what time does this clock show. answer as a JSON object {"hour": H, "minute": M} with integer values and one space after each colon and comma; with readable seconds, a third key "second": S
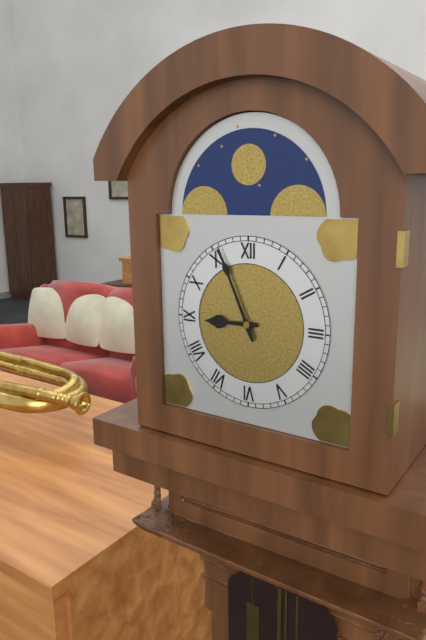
{"hour": 8, "minute": 56}
